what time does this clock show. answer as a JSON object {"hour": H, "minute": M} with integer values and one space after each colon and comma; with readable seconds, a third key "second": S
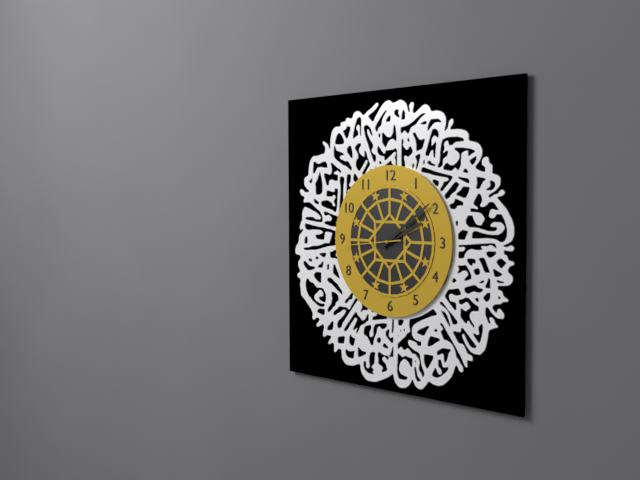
{"hour": 2, "minute": 9, "second": 44}
